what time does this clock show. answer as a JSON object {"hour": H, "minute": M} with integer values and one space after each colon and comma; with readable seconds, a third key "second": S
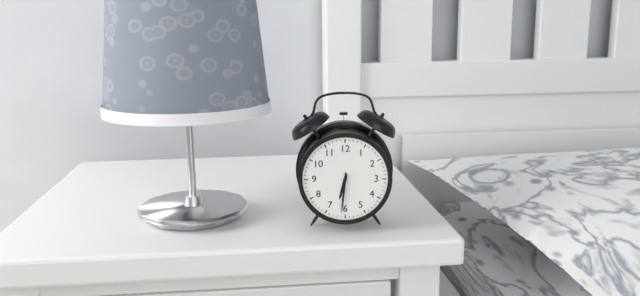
{"hour": 6, "minute": 31}
